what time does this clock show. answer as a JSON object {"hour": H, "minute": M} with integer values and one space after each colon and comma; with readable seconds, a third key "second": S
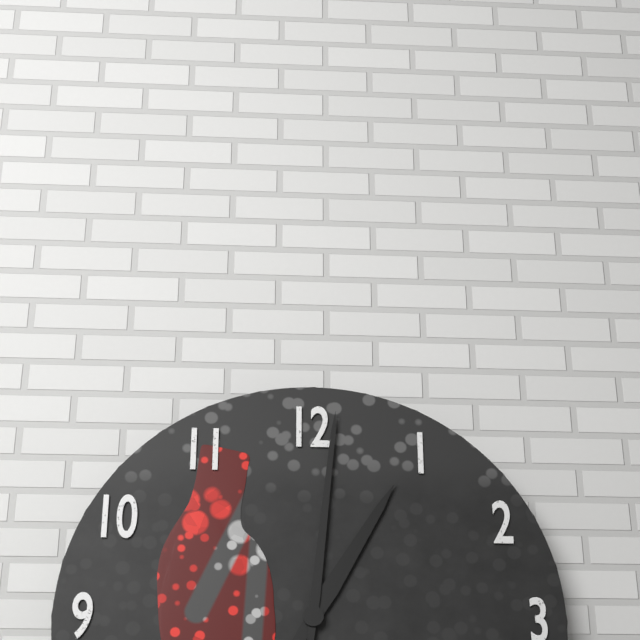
{"hour": 1, "minute": 1}
